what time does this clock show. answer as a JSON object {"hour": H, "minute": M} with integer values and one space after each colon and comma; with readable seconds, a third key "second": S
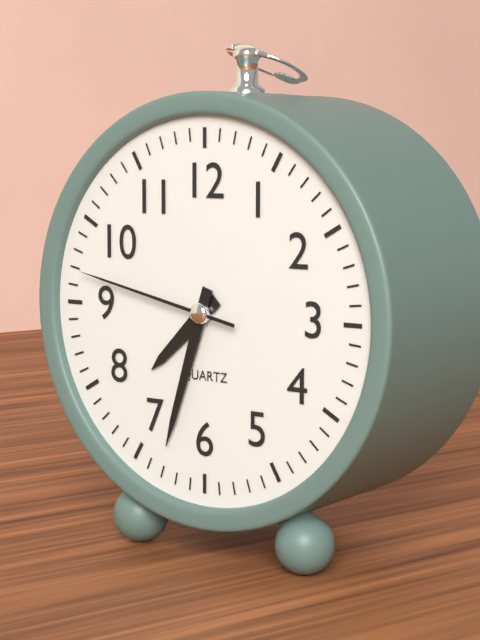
{"hour": 7, "minute": 33, "second": 47}
